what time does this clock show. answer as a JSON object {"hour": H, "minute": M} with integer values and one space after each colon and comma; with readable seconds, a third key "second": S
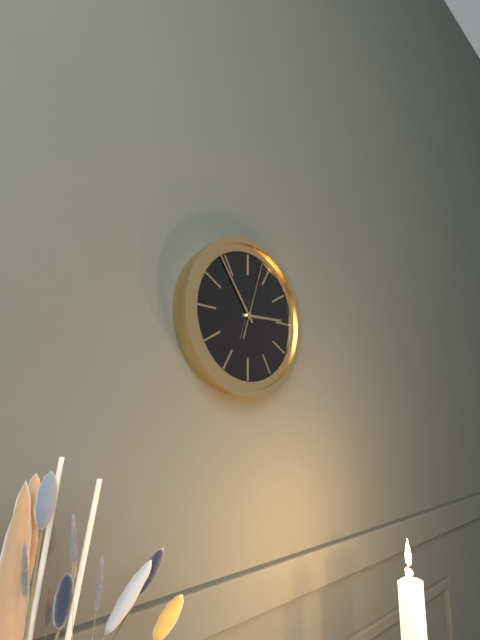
{"hour": 2, "minute": 54, "second": 3}
